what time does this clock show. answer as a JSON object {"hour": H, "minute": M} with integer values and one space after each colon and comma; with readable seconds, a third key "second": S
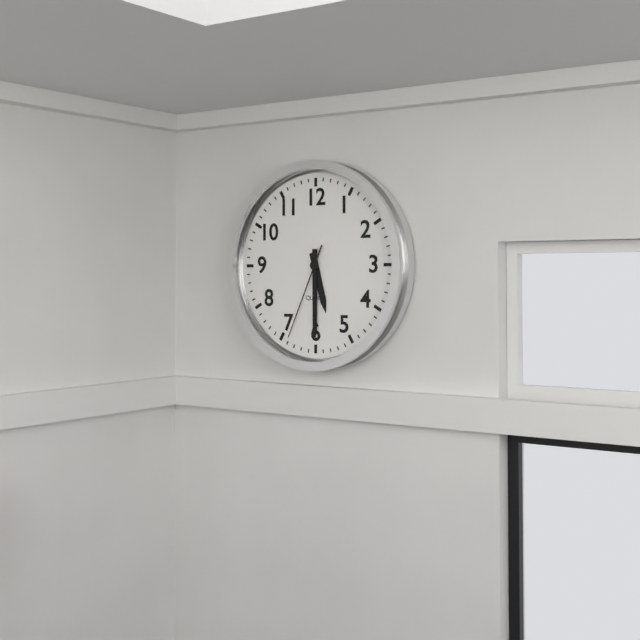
{"hour": 5, "minute": 30, "second": 34}
